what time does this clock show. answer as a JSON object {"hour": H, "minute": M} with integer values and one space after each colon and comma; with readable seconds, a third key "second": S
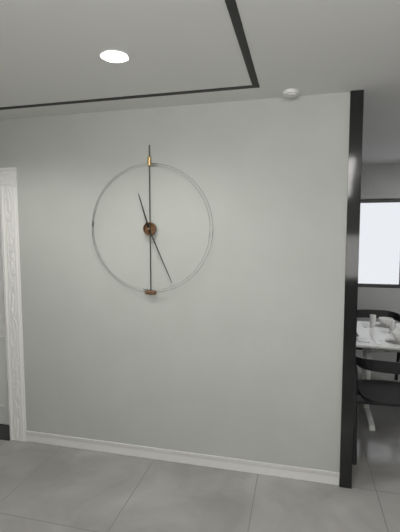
{"hour": 11, "minute": 26}
